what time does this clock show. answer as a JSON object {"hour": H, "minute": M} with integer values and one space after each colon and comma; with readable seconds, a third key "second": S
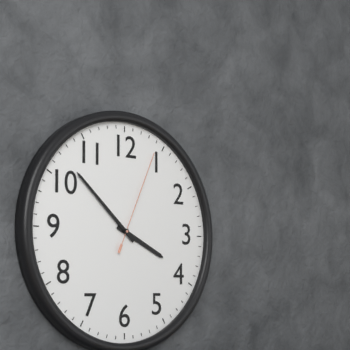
{"hour": 3, "minute": 52, "second": 4}
